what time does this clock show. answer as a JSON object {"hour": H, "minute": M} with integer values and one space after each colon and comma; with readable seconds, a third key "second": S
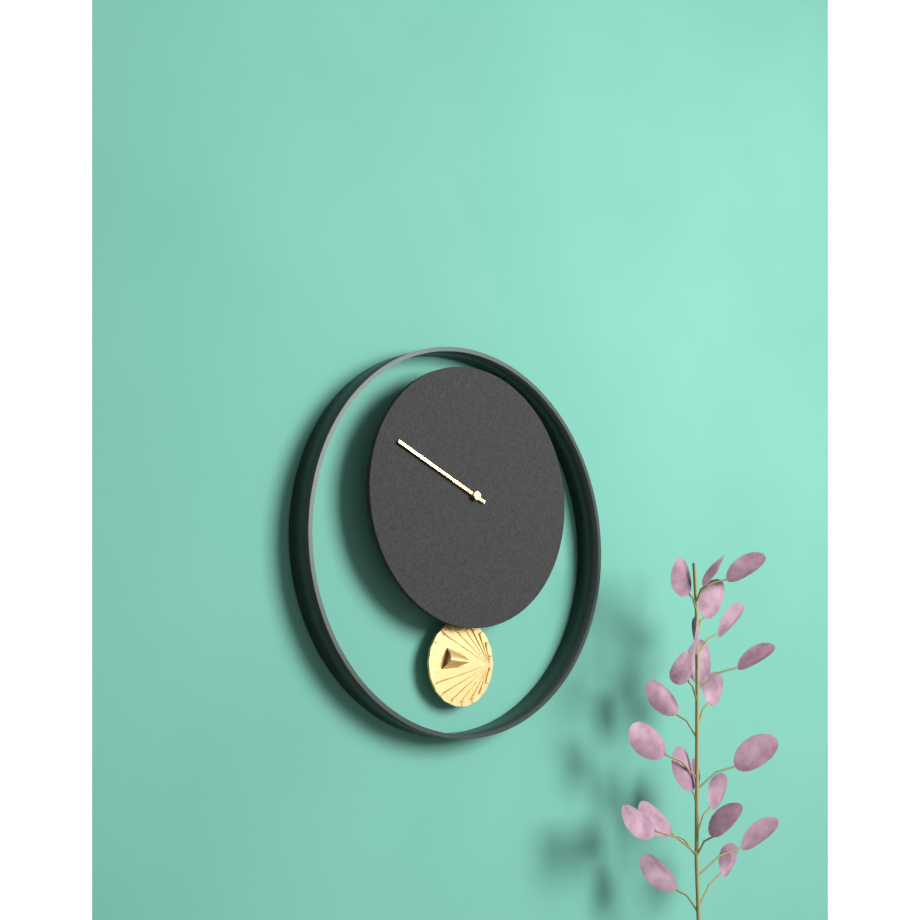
{"hour": 9, "minute": 49}
